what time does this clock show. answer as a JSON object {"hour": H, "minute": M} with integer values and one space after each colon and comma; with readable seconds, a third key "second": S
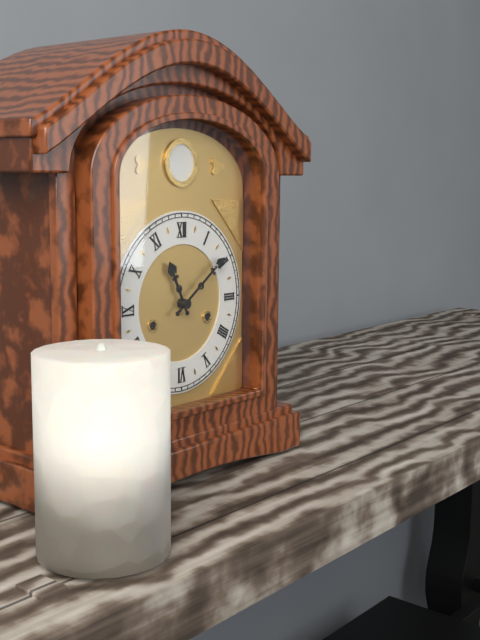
{"hour": 11, "minute": 9}
